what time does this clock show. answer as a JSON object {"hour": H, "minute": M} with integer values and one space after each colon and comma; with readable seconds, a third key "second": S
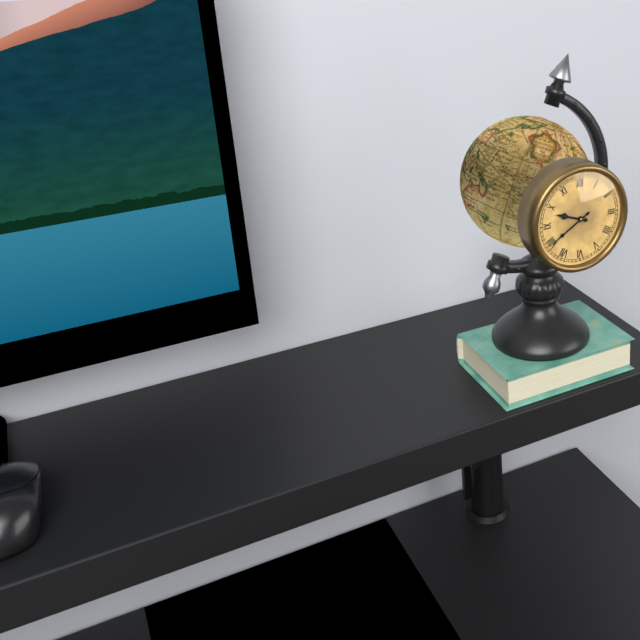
{"hour": 9, "minute": 40}
